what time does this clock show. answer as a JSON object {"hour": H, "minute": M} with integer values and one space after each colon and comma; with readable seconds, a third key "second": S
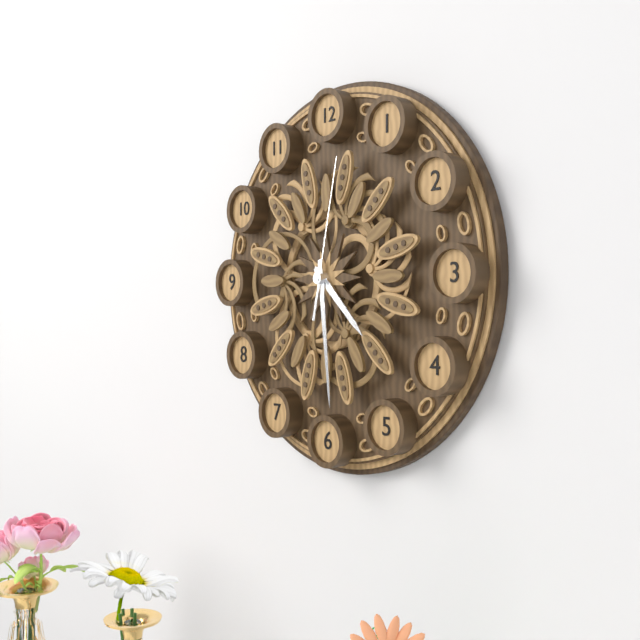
{"hour": 4, "minute": 29, "second": 2}
